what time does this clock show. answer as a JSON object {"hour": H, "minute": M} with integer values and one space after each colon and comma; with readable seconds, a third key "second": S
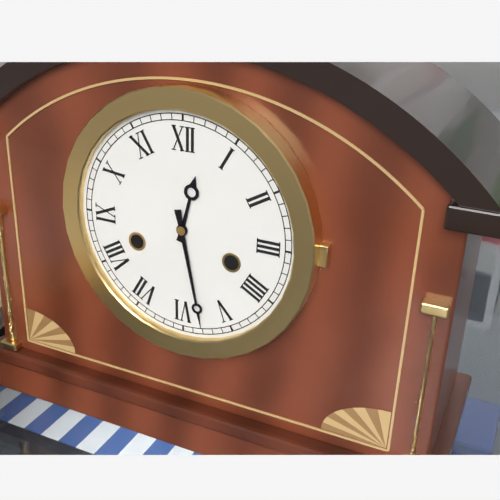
{"hour": 12, "minute": 28}
